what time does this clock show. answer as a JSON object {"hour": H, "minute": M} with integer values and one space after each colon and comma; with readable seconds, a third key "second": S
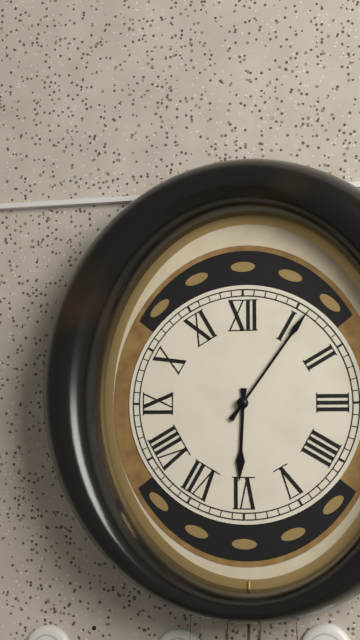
{"hour": 6, "minute": 6}
